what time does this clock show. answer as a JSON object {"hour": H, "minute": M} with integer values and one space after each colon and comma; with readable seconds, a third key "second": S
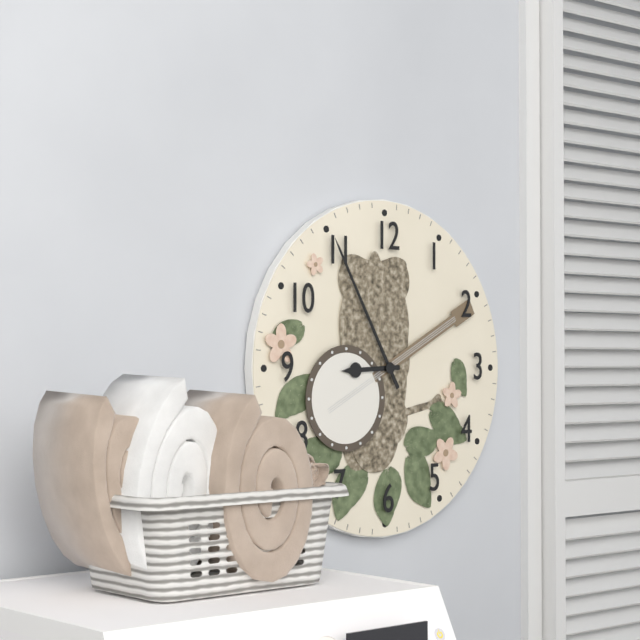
{"hour": 8, "minute": 55}
